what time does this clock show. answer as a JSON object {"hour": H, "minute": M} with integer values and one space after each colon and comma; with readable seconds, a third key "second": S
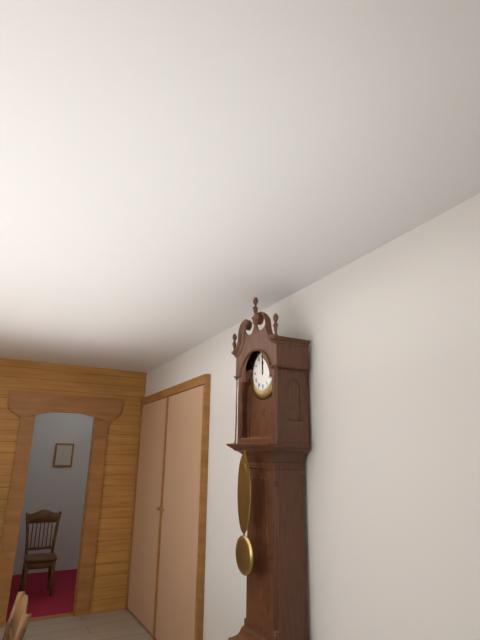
{"hour": 12, "minute": 0}
